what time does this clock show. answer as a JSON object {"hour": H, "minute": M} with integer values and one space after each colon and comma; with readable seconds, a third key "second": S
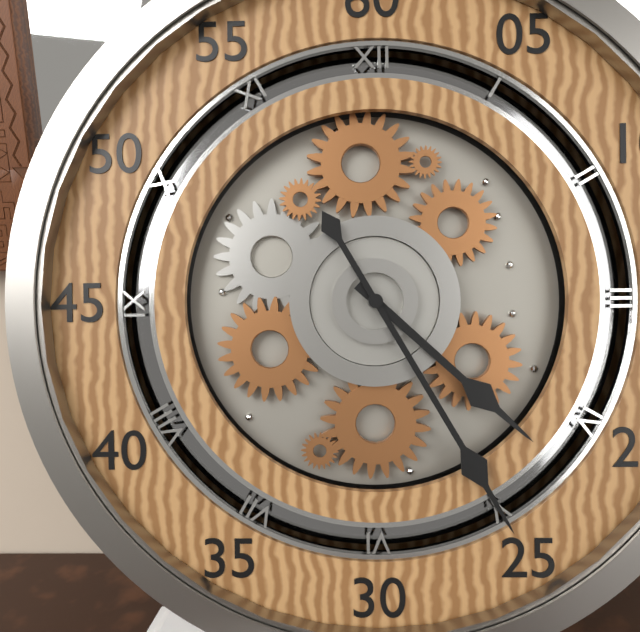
{"hour": 4, "minute": 25}
